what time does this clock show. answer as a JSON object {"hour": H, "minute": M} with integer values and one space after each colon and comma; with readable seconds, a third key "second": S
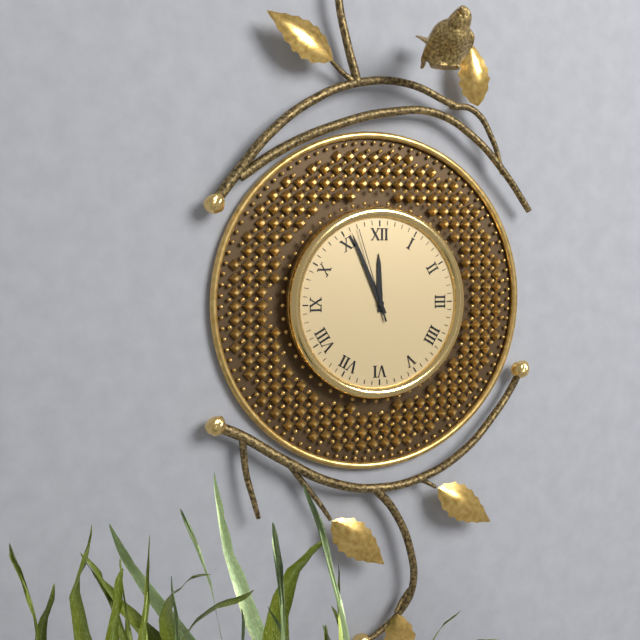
{"hour": 11, "minute": 56, "second": 57}
